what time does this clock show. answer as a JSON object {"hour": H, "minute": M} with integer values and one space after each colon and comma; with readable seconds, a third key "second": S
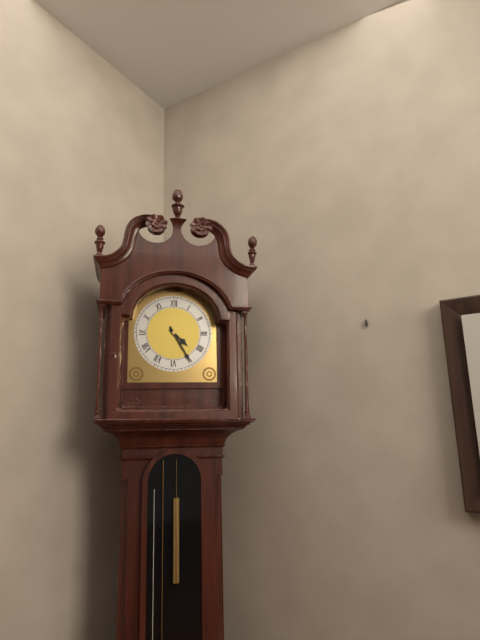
{"hour": 4, "minute": 25}
